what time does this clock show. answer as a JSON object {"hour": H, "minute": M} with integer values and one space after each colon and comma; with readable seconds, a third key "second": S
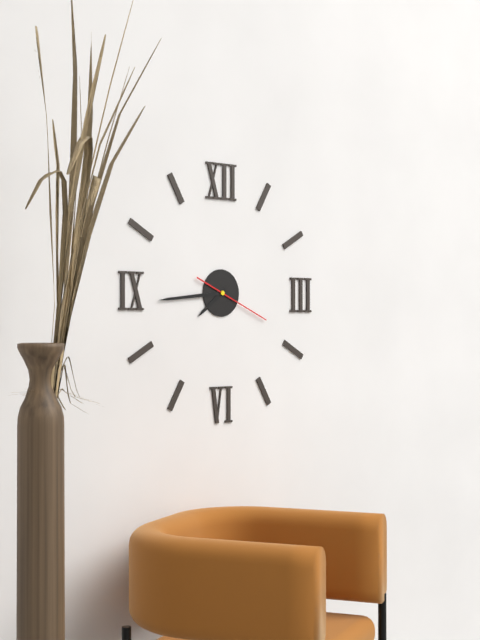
{"hour": 7, "minute": 44, "second": 19}
